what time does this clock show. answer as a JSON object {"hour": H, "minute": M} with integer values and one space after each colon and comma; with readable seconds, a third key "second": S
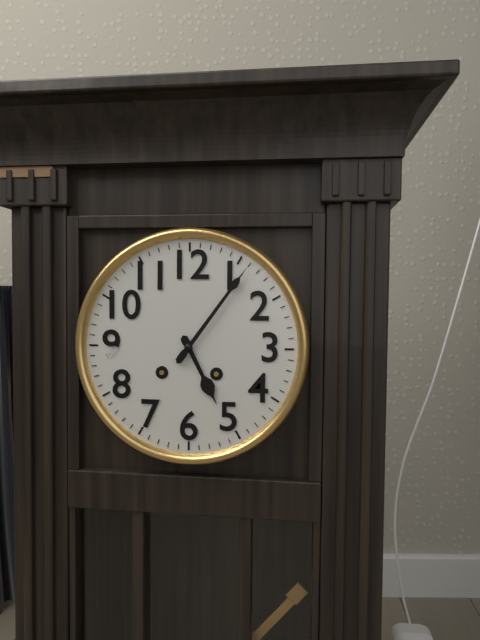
{"hour": 5, "minute": 6}
